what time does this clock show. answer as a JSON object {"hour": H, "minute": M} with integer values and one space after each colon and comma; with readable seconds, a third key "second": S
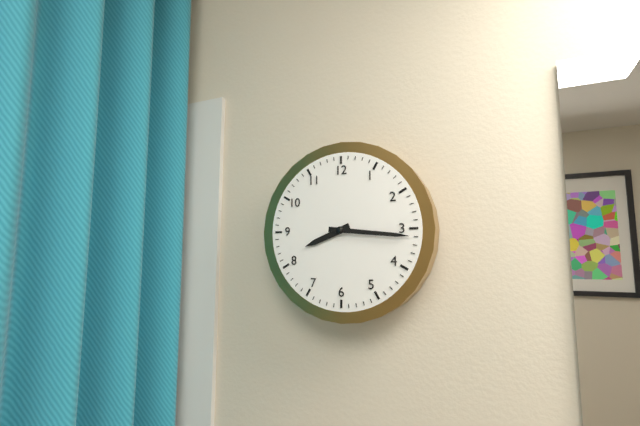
{"hour": 8, "minute": 16}
